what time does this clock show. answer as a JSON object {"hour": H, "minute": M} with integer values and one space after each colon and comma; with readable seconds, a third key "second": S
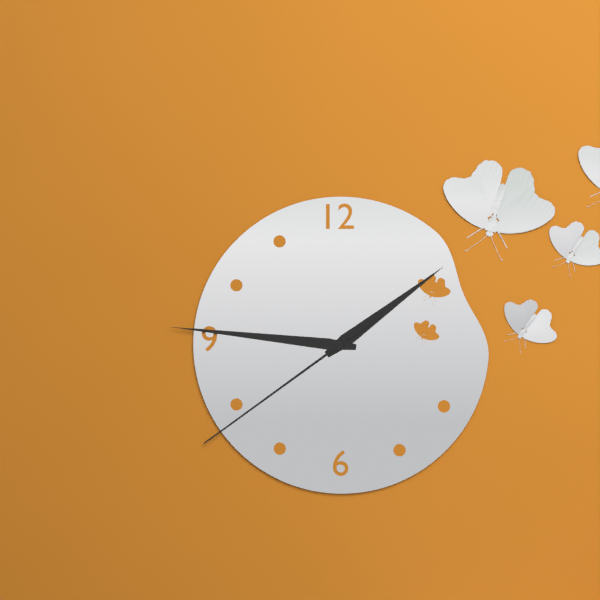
{"hour": 1, "minute": 46, "second": 39}
